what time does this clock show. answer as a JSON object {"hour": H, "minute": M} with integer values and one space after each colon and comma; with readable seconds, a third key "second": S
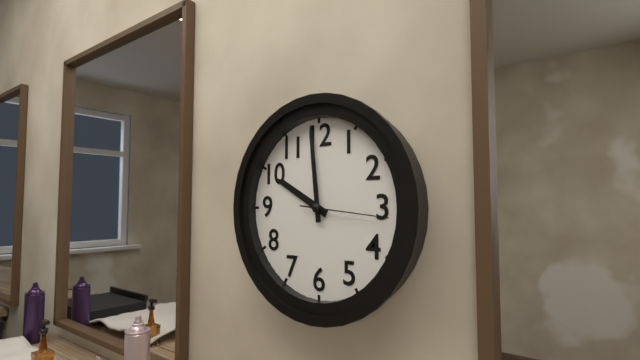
{"hour": 9, "minute": 59, "second": 16}
